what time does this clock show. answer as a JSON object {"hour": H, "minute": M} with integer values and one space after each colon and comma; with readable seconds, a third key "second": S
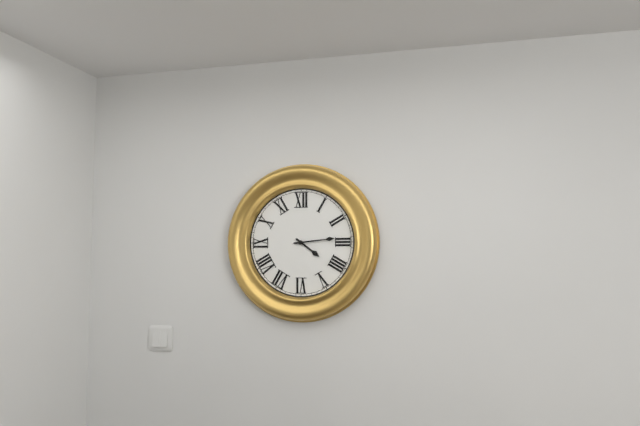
{"hour": 4, "minute": 14}
